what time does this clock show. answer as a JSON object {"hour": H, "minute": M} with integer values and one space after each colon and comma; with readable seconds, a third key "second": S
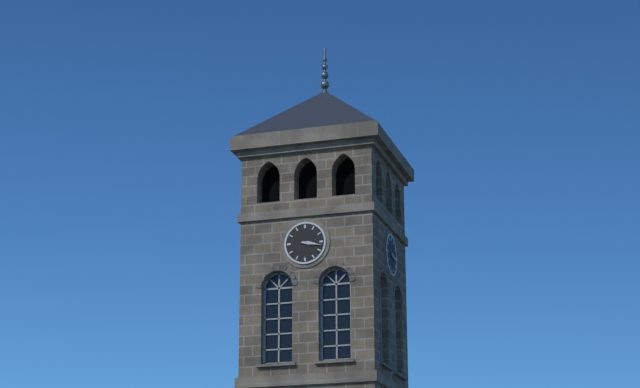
{"hour": 3, "minute": 17}
